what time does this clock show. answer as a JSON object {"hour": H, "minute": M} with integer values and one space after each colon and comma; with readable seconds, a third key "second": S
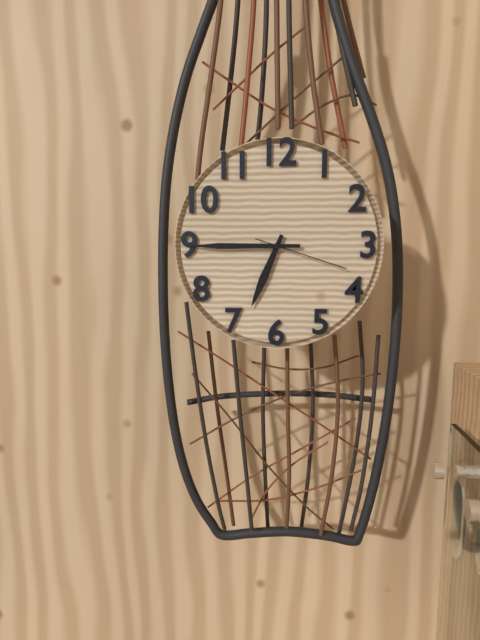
{"hour": 6, "minute": 45, "second": 18}
